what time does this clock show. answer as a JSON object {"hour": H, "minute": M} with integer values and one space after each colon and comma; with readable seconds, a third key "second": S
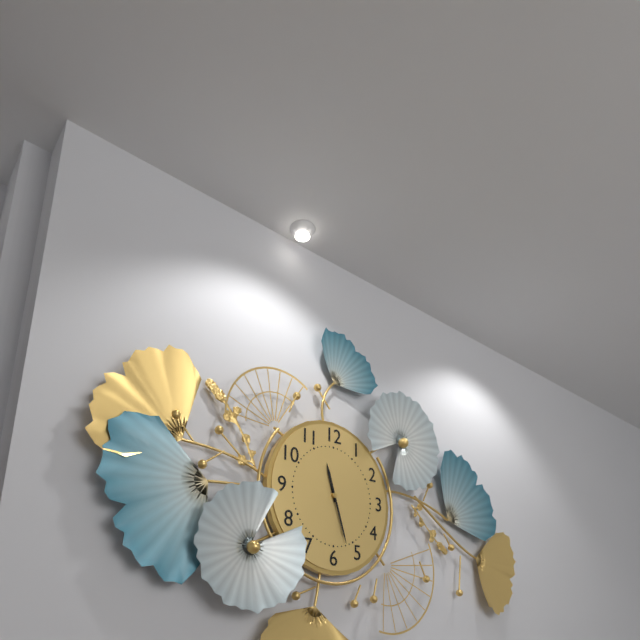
{"hour": 11, "minute": 27}
